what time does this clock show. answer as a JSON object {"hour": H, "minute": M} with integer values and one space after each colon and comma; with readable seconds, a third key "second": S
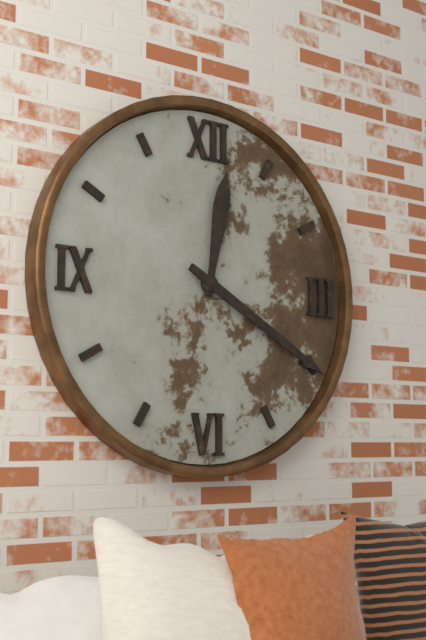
{"hour": 12, "minute": 20}
